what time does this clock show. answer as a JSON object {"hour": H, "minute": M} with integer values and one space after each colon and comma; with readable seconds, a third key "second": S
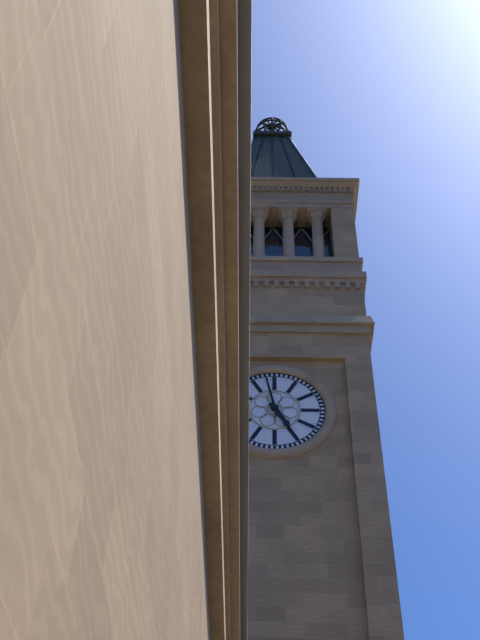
{"hour": 4, "minute": 58}
